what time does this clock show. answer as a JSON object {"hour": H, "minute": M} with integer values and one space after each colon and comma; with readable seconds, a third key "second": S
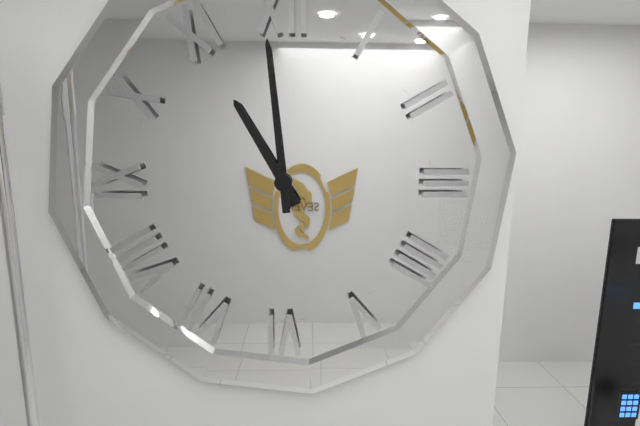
{"hour": 10, "minute": 59}
